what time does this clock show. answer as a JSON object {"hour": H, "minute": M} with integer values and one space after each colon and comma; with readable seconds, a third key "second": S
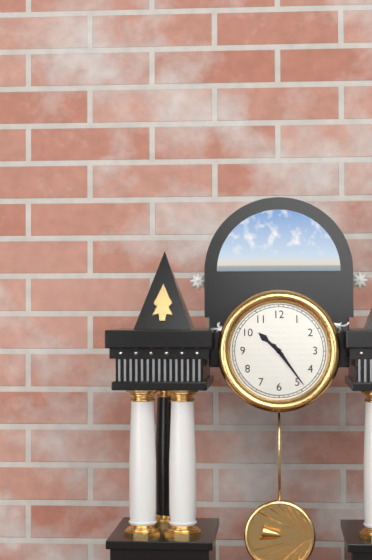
{"hour": 10, "minute": 24}
